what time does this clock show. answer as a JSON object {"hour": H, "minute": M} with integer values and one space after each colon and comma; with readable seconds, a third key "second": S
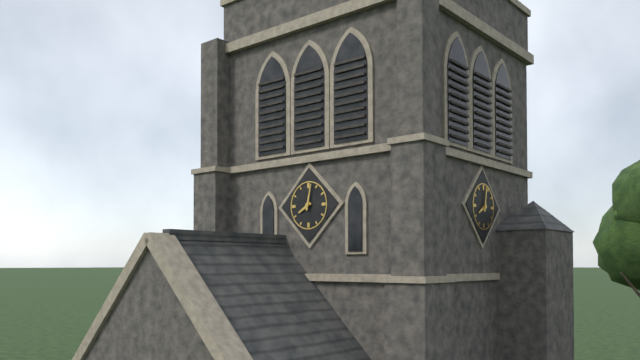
{"hour": 8, "minute": 2}
